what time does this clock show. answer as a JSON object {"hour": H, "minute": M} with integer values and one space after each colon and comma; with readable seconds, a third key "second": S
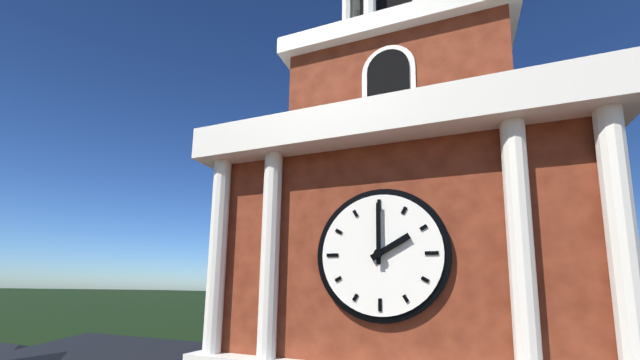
{"hour": 2, "minute": 0}
